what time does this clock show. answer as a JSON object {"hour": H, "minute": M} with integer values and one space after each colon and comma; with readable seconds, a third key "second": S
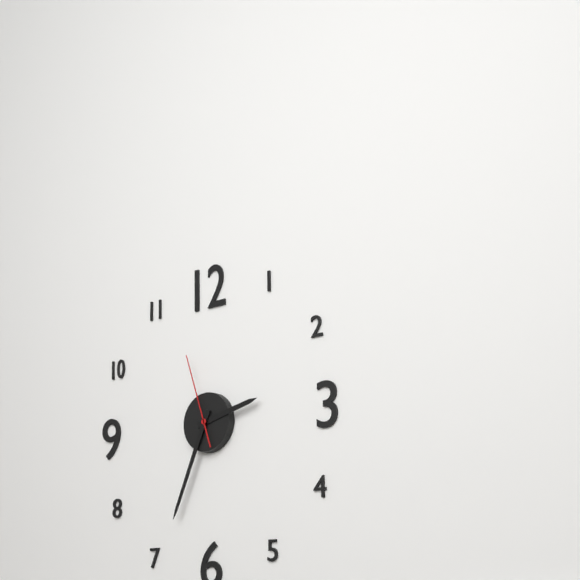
{"hour": 2, "minute": 34, "second": 57}
